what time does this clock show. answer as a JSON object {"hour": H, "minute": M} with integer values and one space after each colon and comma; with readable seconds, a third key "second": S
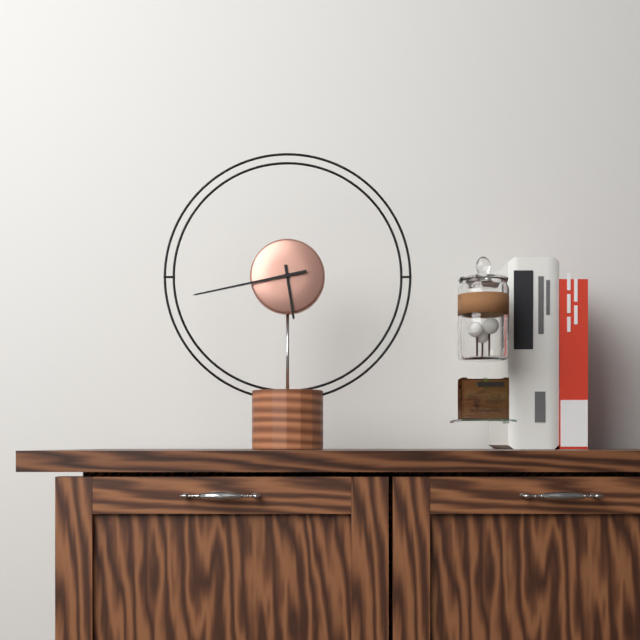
{"hour": 5, "minute": 43}
